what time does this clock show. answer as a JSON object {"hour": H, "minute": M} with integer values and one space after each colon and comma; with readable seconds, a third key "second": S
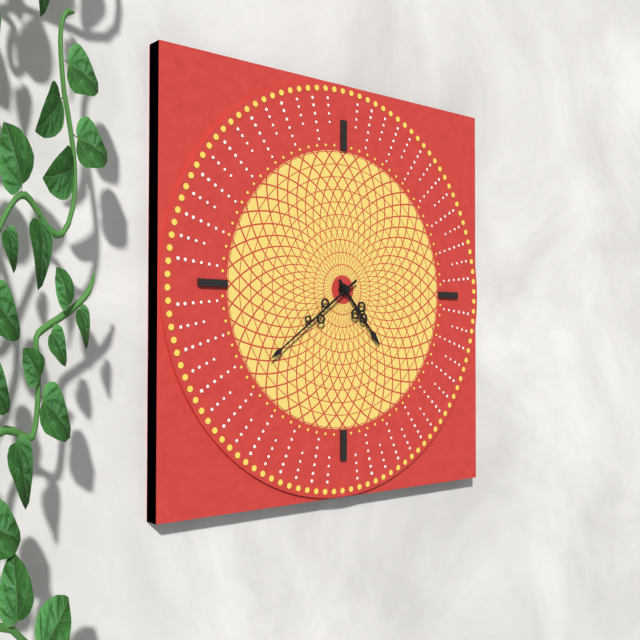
{"hour": 4, "minute": 39}
